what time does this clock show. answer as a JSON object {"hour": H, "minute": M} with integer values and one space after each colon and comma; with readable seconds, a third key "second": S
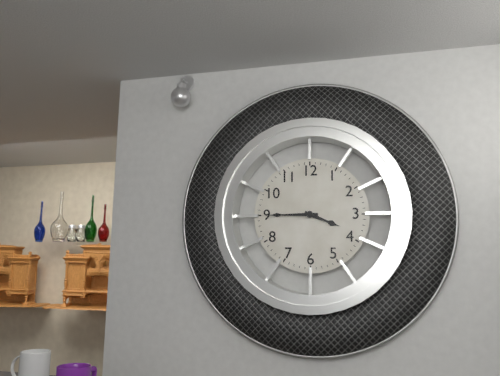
{"hour": 3, "minute": 45}
